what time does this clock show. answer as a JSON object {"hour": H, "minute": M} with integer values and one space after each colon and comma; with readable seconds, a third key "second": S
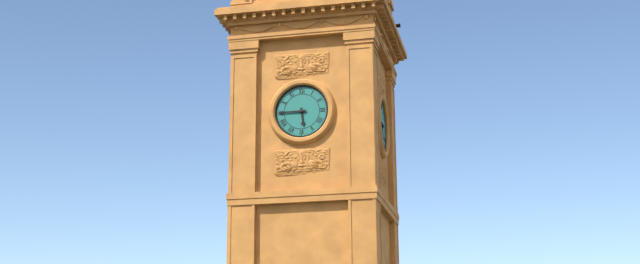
{"hour": 5, "minute": 45}
